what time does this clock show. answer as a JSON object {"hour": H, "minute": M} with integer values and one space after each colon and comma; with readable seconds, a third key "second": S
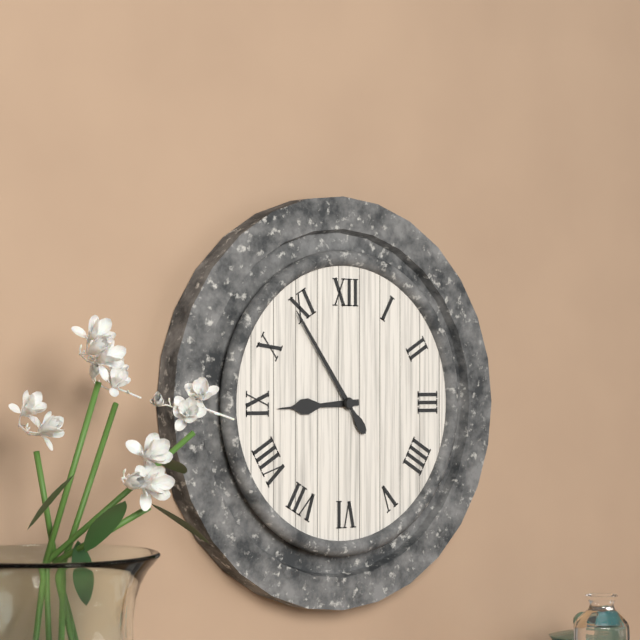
{"hour": 8, "minute": 54}
